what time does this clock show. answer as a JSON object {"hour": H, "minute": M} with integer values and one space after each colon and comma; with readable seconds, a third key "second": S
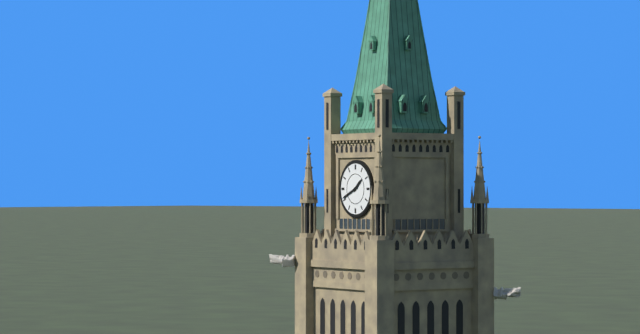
{"hour": 1, "minute": 41}
